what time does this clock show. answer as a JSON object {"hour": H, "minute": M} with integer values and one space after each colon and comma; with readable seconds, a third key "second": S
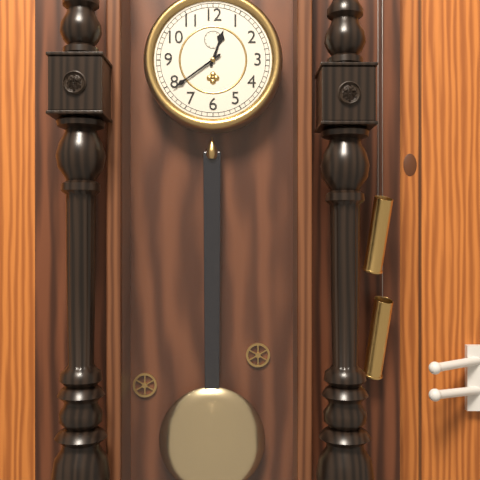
{"hour": 12, "minute": 39}
